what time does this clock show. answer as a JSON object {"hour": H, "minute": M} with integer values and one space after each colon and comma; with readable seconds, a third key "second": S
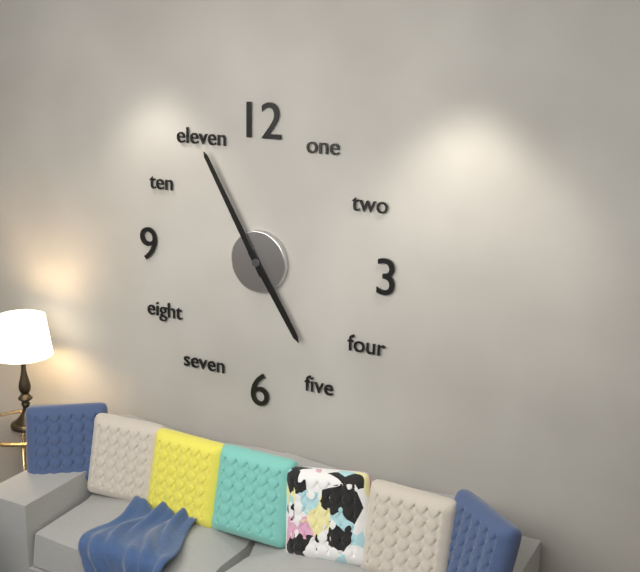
{"hour": 4, "minute": 55}
